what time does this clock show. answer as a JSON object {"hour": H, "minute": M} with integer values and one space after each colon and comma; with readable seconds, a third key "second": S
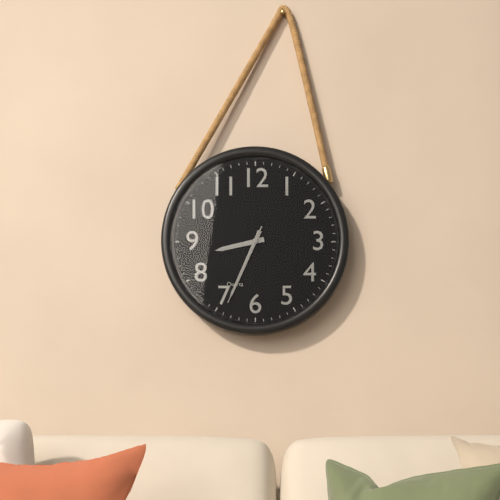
{"hour": 8, "minute": 34, "second": 34}
